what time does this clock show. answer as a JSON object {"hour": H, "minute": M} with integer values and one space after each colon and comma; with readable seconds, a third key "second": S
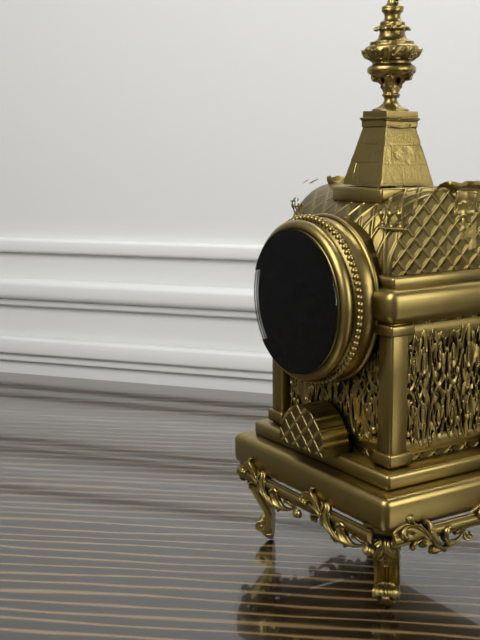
{"hour": 3, "minute": 0}
